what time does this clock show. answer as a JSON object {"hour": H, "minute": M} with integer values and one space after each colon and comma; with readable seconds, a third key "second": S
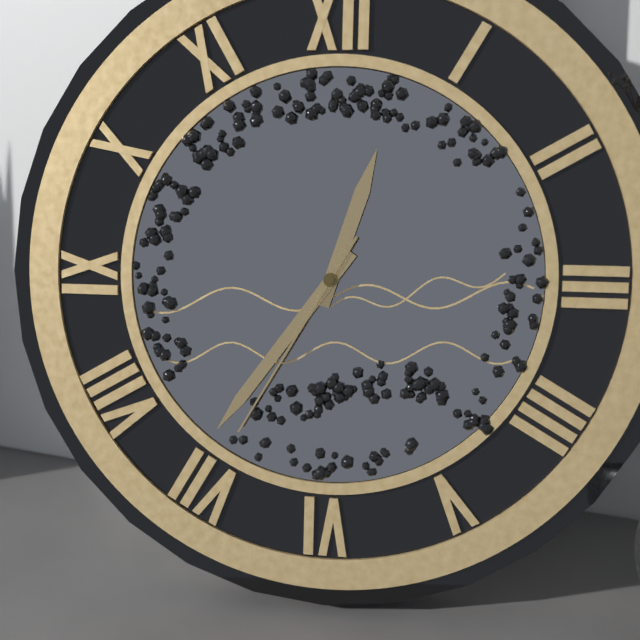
{"hour": 12, "minute": 36, "second": 35}
